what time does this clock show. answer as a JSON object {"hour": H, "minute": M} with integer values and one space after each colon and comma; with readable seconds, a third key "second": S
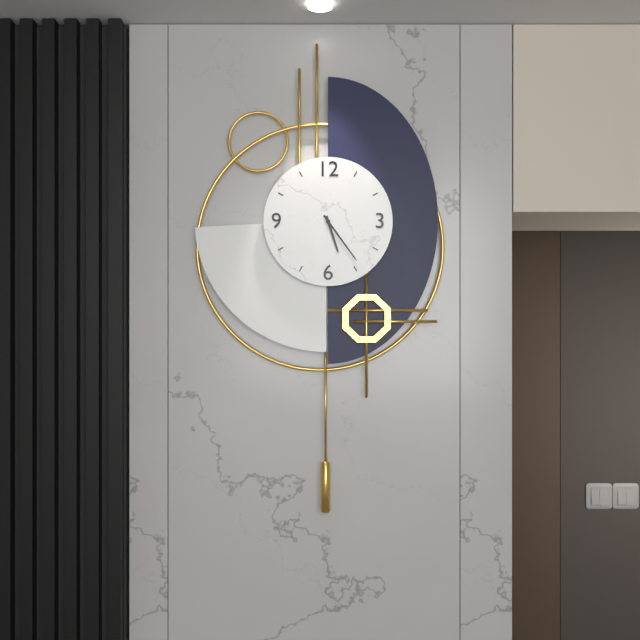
{"hour": 5, "minute": 24}
